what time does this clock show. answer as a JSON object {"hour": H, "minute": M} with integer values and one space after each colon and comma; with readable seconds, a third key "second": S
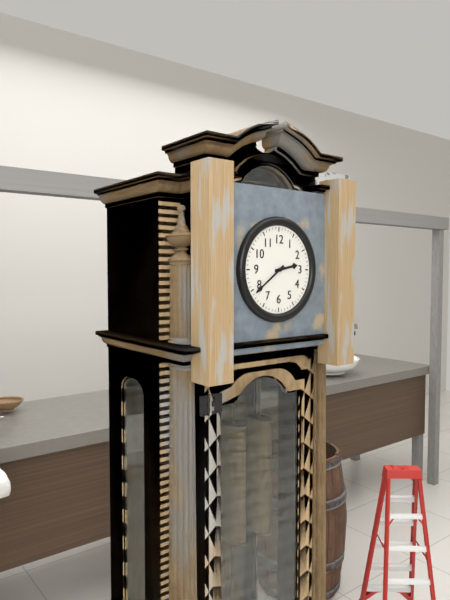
{"hour": 2, "minute": 39}
